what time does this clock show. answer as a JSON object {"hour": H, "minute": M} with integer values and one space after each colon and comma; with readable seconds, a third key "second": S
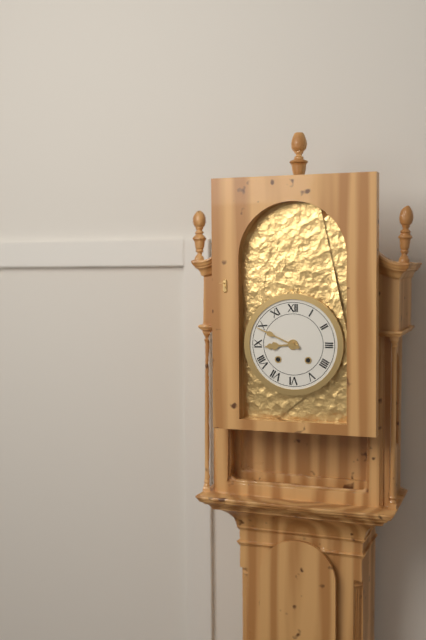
{"hour": 8, "minute": 49}
